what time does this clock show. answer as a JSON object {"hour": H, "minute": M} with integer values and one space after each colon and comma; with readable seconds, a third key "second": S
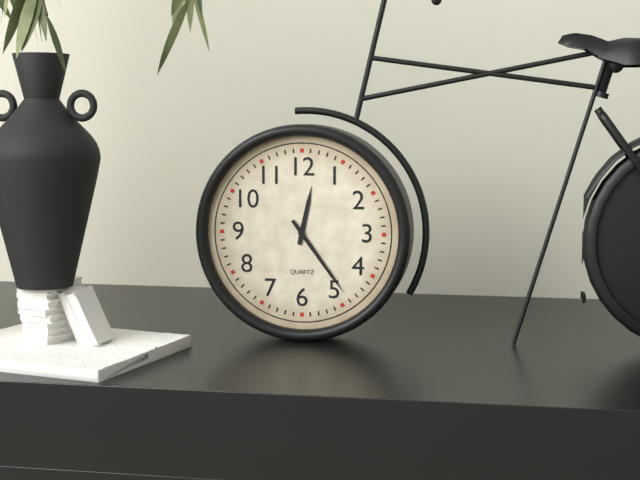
{"hour": 12, "minute": 24}
